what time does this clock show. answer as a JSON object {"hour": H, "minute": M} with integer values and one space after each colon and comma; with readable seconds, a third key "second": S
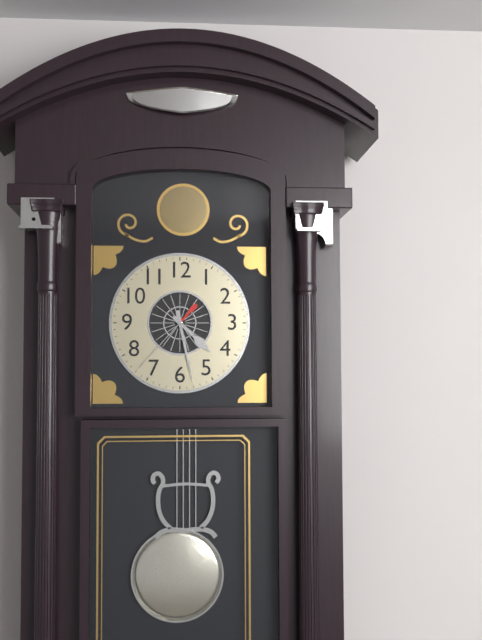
{"hour": 4, "minute": 28, "second": 37}
